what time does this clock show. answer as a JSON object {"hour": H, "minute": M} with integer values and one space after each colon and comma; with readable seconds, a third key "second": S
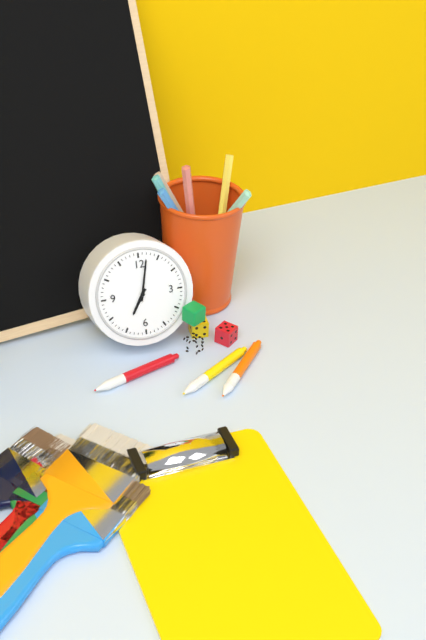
{"hour": 7, "minute": 2}
